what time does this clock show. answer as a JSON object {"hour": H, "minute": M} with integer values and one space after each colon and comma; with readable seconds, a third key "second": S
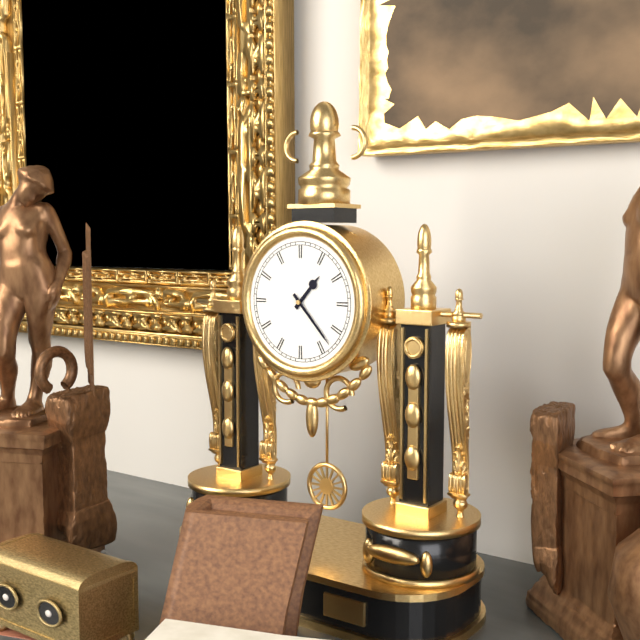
{"hour": 1, "minute": 23}
